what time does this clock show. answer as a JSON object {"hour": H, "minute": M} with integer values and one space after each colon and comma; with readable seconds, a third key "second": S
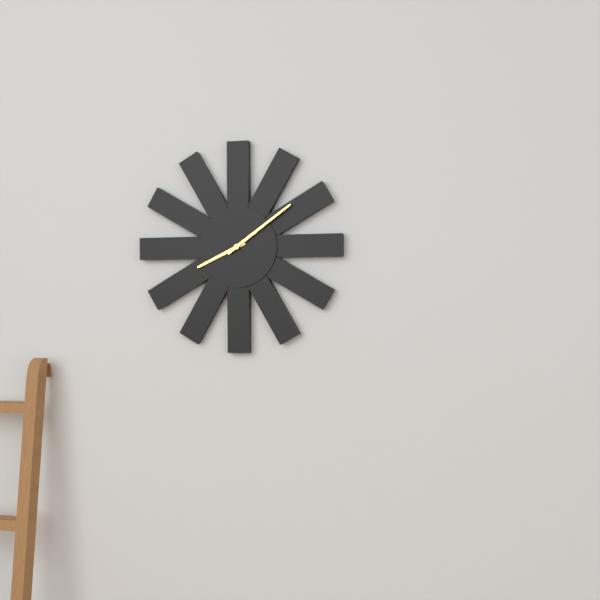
{"hour": 8, "minute": 9}
